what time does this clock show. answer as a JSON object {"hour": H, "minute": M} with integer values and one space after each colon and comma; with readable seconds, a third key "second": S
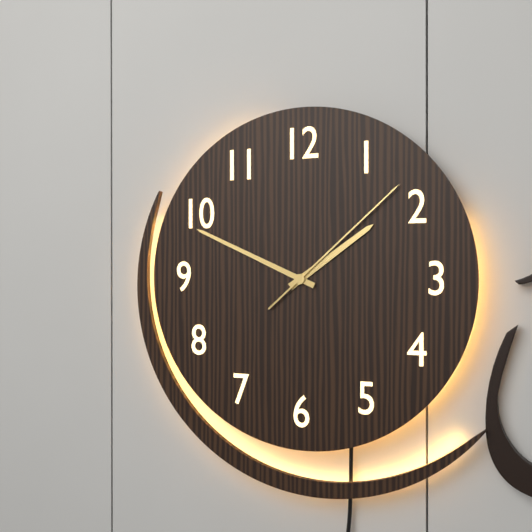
{"hour": 1, "minute": 49, "second": 8}
